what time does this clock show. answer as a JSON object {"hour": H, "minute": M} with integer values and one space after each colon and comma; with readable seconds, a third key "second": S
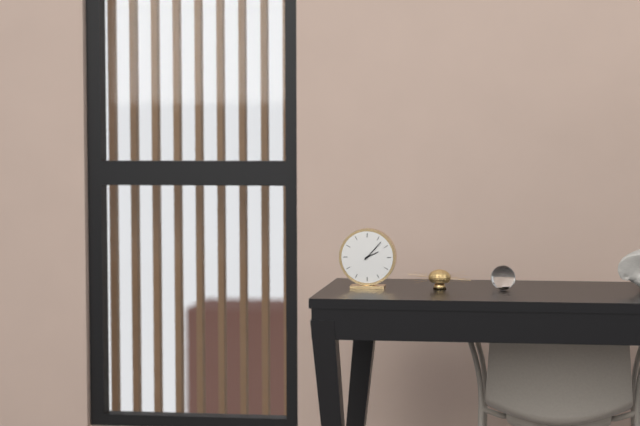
{"hour": 2, "minute": 7}
